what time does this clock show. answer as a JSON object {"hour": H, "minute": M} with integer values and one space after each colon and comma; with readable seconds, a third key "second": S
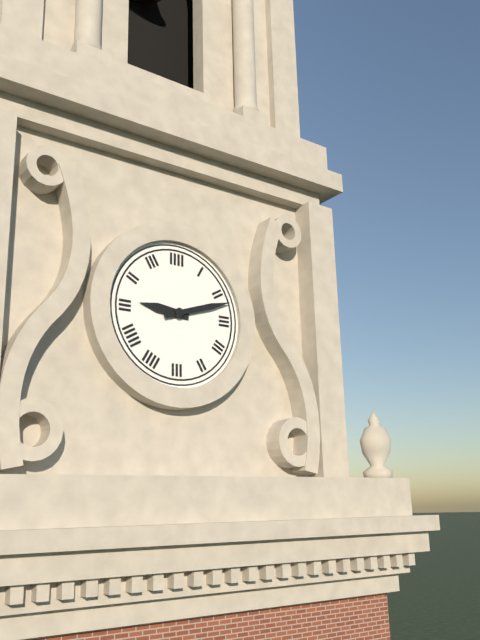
{"hour": 9, "minute": 12}
